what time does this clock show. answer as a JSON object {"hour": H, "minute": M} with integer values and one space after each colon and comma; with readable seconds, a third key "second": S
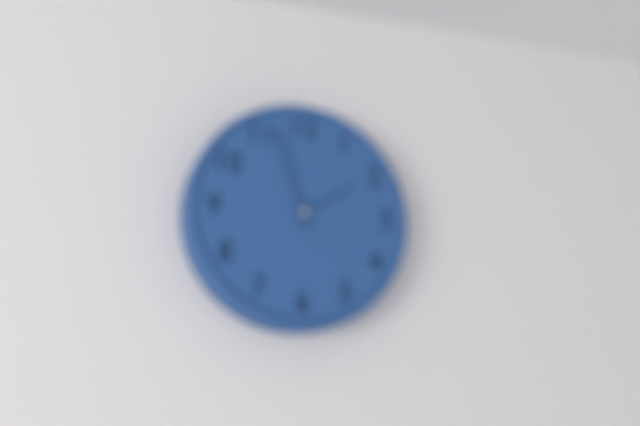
{"hour": 1, "minute": 57}
